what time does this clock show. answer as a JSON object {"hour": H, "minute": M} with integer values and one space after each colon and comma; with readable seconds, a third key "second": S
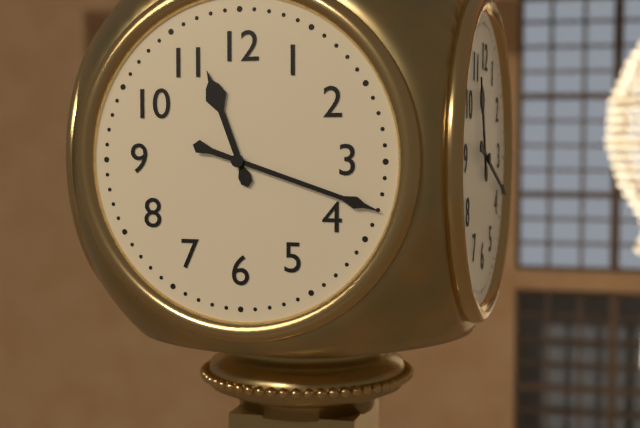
{"hour": 11, "minute": 18}
